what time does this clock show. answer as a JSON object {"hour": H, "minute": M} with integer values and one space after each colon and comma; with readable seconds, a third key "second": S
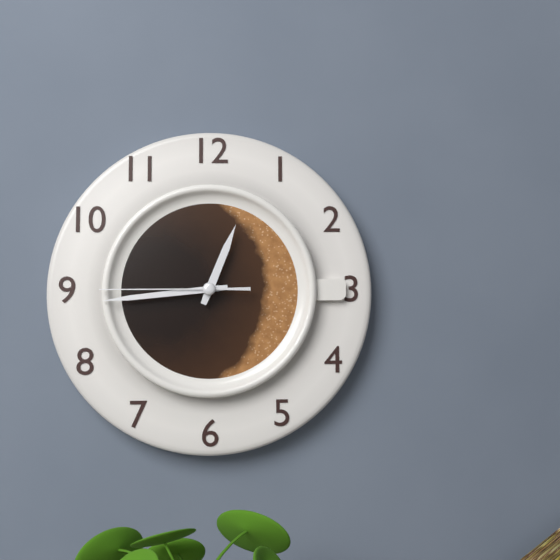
{"hour": 12, "minute": 44, "second": 45}
